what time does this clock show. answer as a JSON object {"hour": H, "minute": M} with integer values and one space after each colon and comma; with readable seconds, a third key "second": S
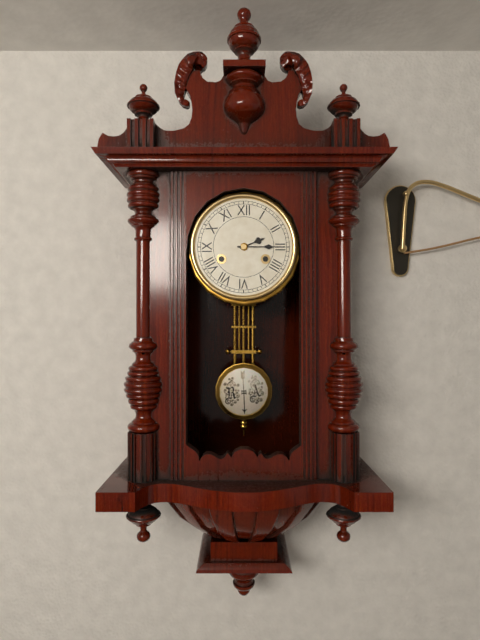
{"hour": 2, "minute": 15}
